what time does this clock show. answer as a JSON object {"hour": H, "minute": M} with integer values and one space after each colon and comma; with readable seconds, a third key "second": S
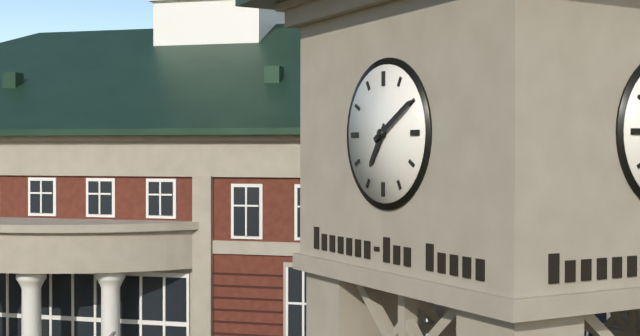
{"hour": 7, "minute": 10}
